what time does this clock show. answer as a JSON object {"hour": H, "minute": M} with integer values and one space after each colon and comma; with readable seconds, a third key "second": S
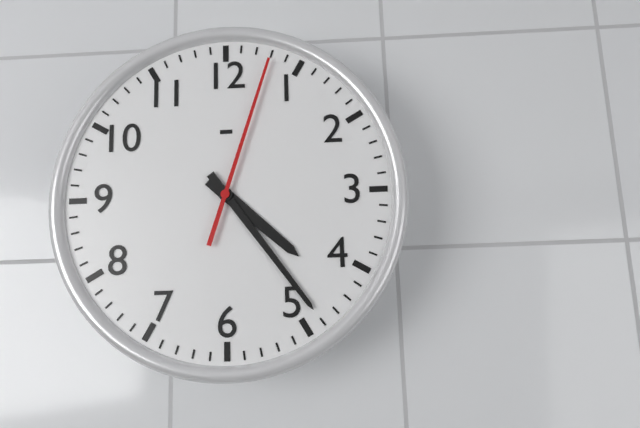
{"hour": 4, "minute": 24, "second": 3}
